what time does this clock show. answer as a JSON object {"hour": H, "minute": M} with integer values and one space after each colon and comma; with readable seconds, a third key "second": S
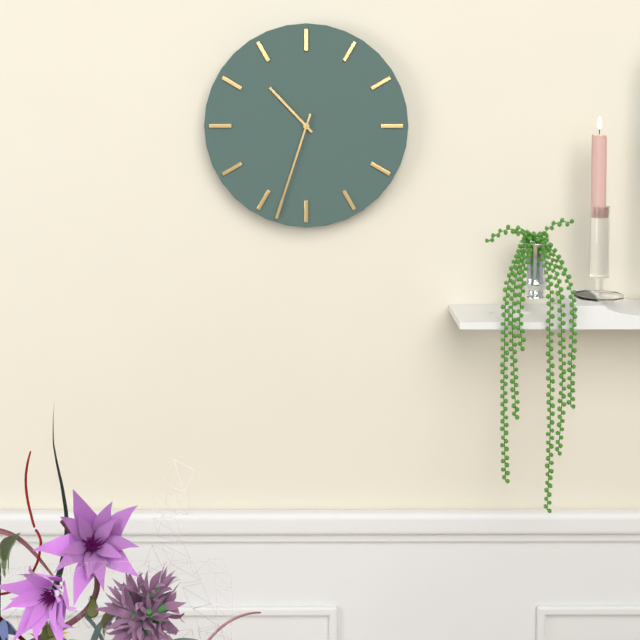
{"hour": 10, "minute": 33}
